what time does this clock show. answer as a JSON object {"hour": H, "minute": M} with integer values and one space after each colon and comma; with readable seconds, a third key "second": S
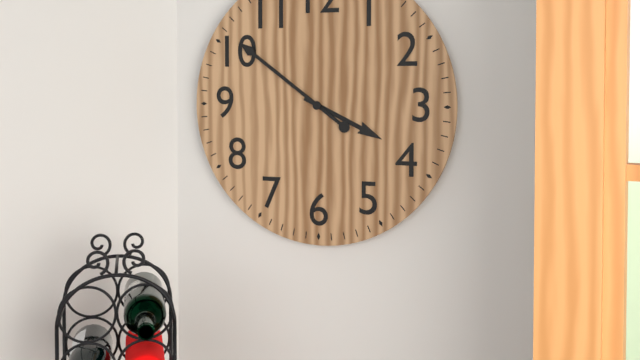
{"hour": 3, "minute": 51}
